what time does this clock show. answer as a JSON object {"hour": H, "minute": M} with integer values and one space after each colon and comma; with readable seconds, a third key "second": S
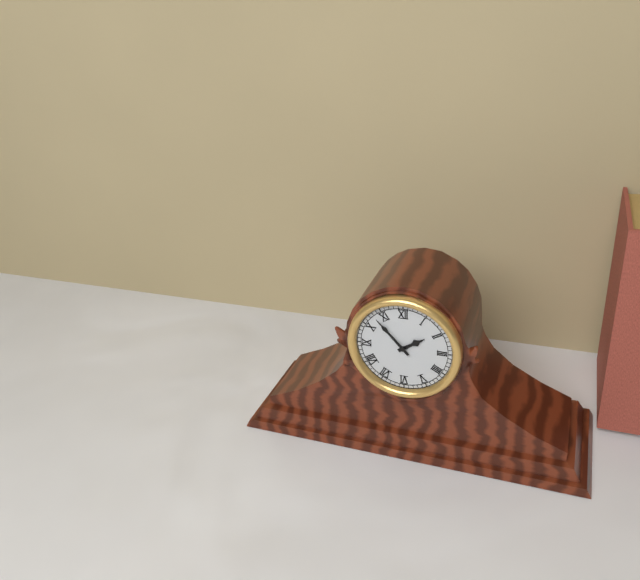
{"hour": 1, "minute": 53}
